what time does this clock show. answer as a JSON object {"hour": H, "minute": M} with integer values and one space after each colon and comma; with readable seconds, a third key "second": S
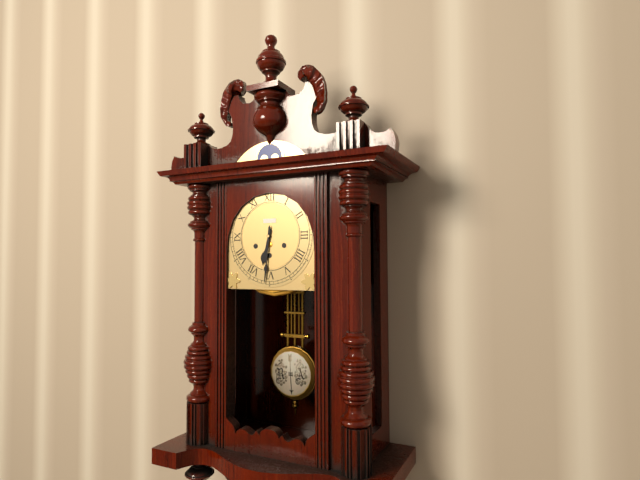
{"hour": 6, "minute": 31}
